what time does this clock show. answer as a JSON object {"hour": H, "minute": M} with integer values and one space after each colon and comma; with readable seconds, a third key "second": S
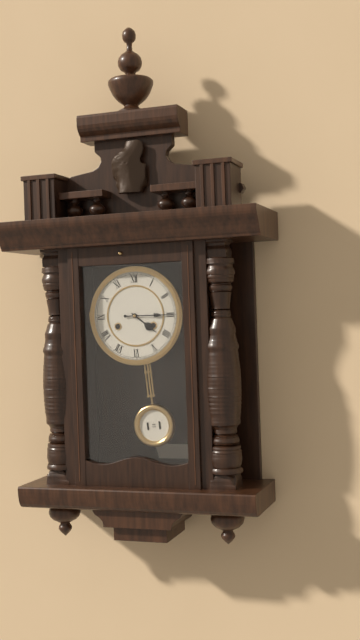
{"hour": 4, "minute": 15}
